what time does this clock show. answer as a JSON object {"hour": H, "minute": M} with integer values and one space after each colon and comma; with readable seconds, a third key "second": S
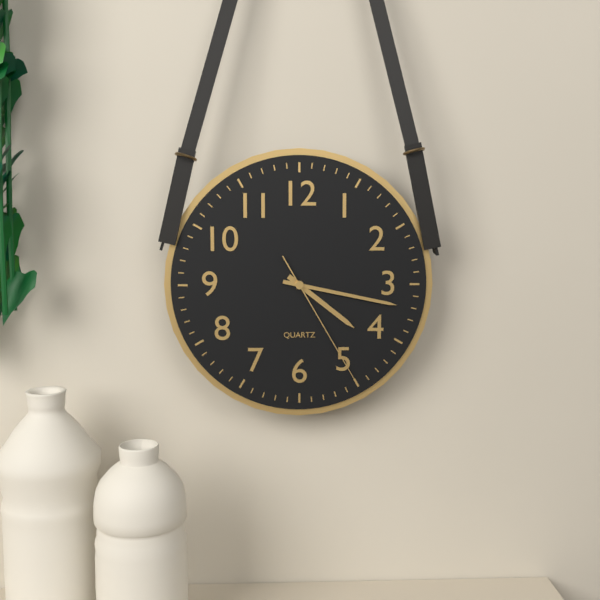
{"hour": 4, "minute": 17, "second": 25}
